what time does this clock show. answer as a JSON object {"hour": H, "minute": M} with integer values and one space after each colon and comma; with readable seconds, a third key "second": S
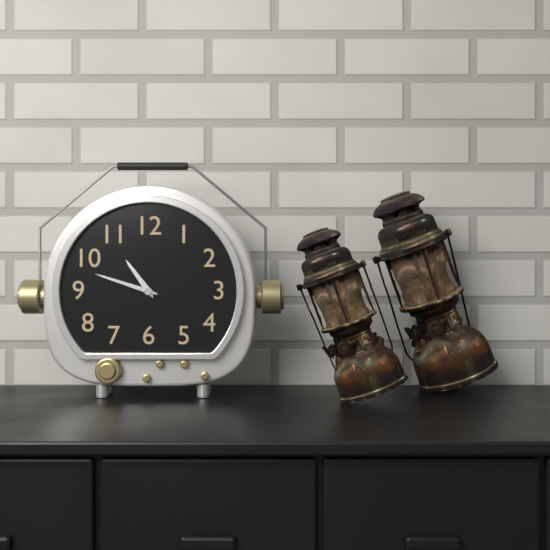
{"hour": 10, "minute": 48}
